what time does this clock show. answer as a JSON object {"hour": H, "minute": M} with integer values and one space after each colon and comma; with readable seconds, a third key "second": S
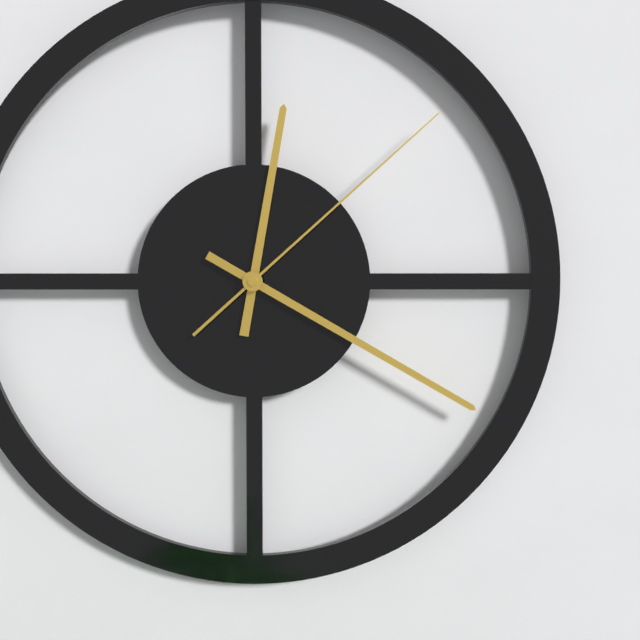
{"hour": 12, "minute": 20, "second": 8}
